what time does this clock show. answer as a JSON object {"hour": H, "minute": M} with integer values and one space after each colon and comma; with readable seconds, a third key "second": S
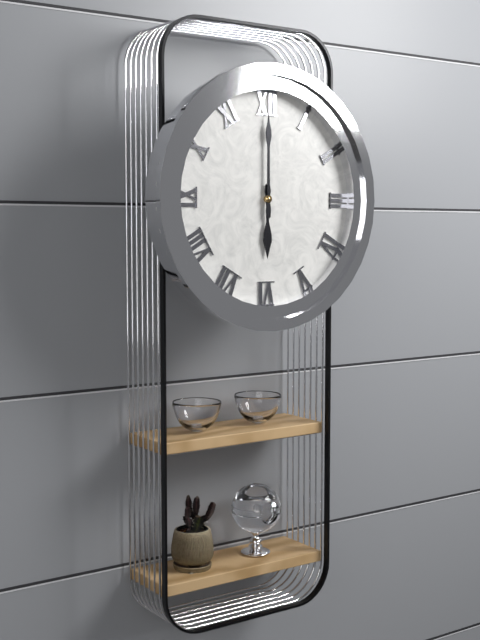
{"hour": 6, "minute": 0}
